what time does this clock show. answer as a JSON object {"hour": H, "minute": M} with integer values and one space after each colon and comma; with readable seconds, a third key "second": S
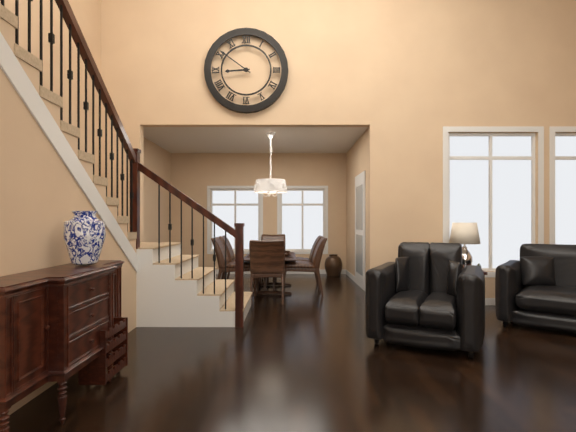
{"hour": 8, "minute": 51}
